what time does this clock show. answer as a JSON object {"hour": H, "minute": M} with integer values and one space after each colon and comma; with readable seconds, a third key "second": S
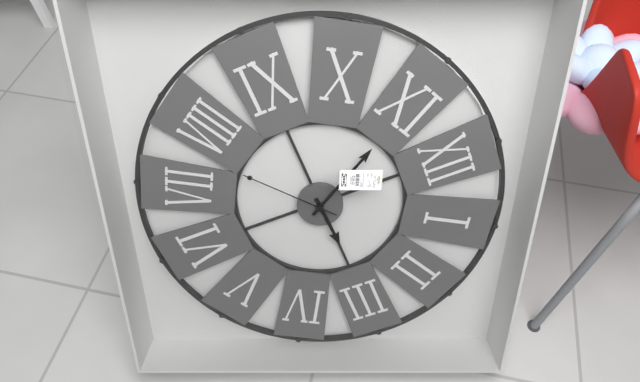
{"hour": 2, "minute": 55, "second": 38}
